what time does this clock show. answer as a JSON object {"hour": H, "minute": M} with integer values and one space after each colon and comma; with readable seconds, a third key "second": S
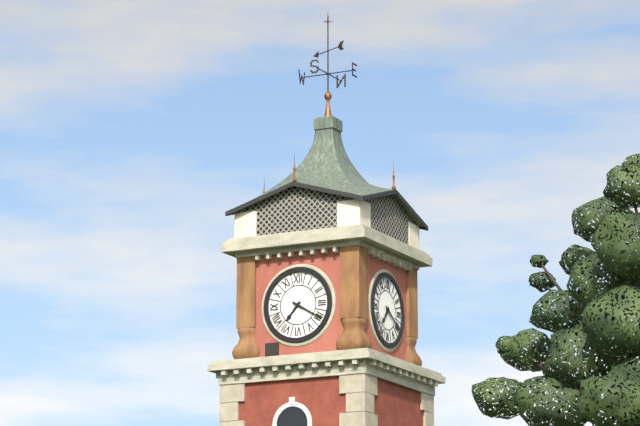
{"hour": 7, "minute": 20}
